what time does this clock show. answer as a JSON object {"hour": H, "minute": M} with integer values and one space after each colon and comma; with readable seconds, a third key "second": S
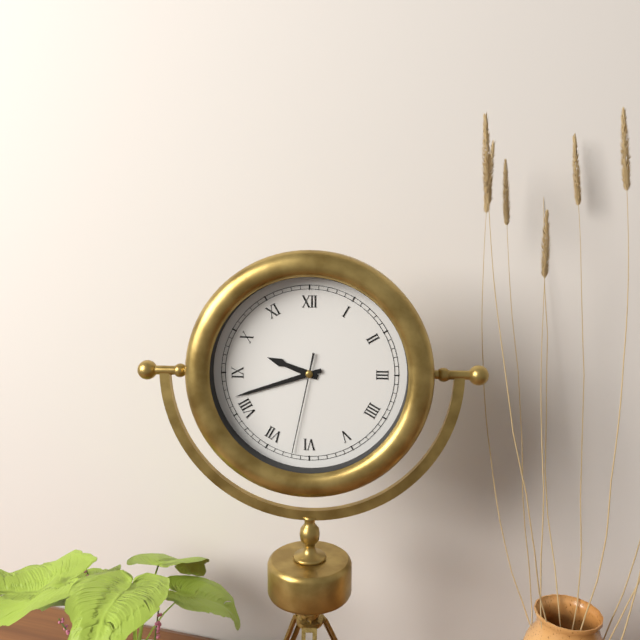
{"hour": 9, "minute": 42, "second": 32}
